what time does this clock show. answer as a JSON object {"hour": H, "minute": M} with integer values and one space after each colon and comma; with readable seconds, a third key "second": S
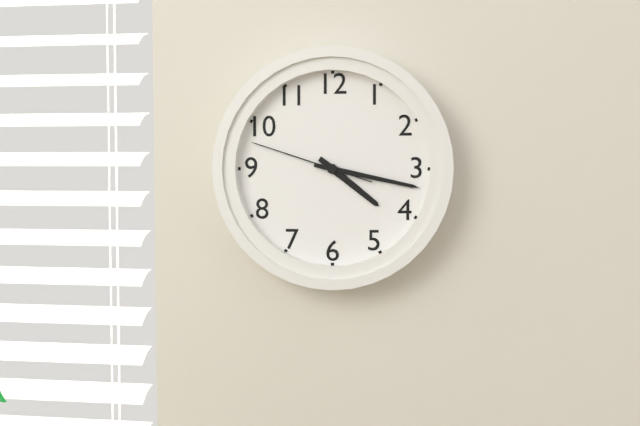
{"hour": 4, "minute": 17, "second": 48}
